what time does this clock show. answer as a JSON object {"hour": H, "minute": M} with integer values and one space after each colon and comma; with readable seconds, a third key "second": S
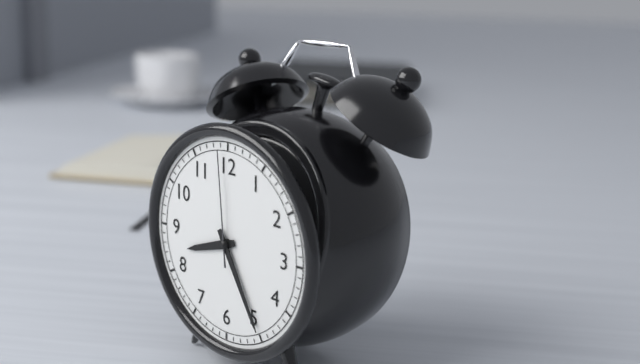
{"hour": 8, "minute": 25, "second": 59}
